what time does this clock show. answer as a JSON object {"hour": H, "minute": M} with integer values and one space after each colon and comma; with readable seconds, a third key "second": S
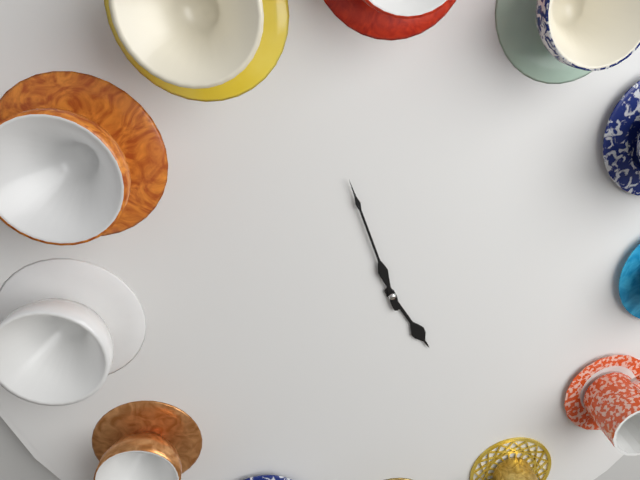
{"hour": 4, "minute": 57}
